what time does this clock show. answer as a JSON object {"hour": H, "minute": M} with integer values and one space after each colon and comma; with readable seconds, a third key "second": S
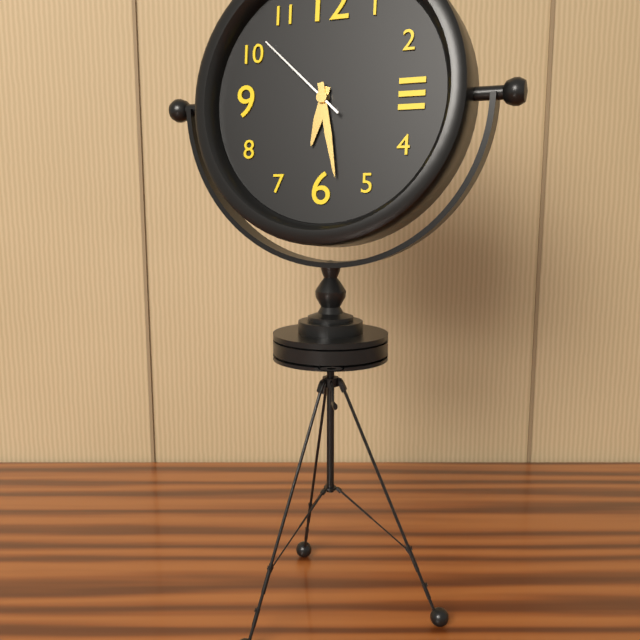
{"hour": 6, "minute": 28, "second": 52}
